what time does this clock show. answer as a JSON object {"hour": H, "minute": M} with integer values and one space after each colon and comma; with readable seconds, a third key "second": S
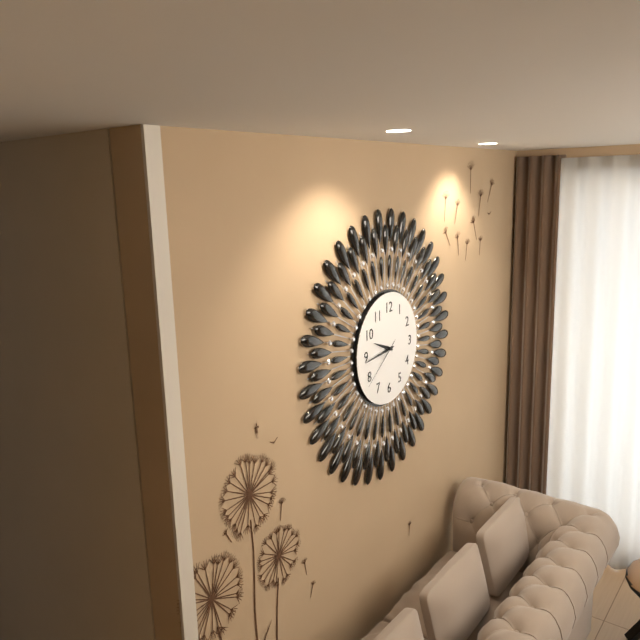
{"hour": 9, "minute": 44, "second": 39}
